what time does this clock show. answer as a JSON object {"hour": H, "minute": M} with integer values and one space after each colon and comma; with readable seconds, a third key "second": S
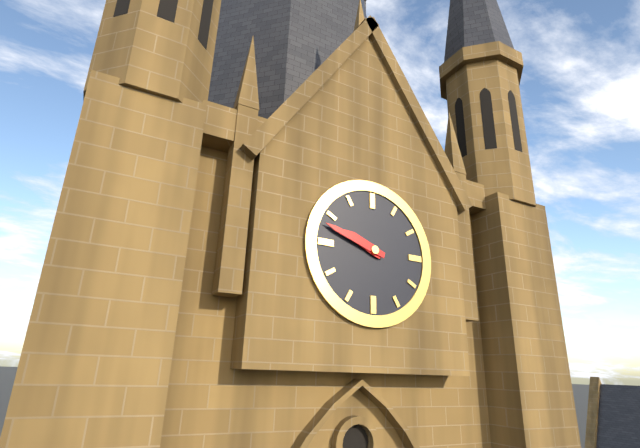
{"hour": 9, "minute": 48}
